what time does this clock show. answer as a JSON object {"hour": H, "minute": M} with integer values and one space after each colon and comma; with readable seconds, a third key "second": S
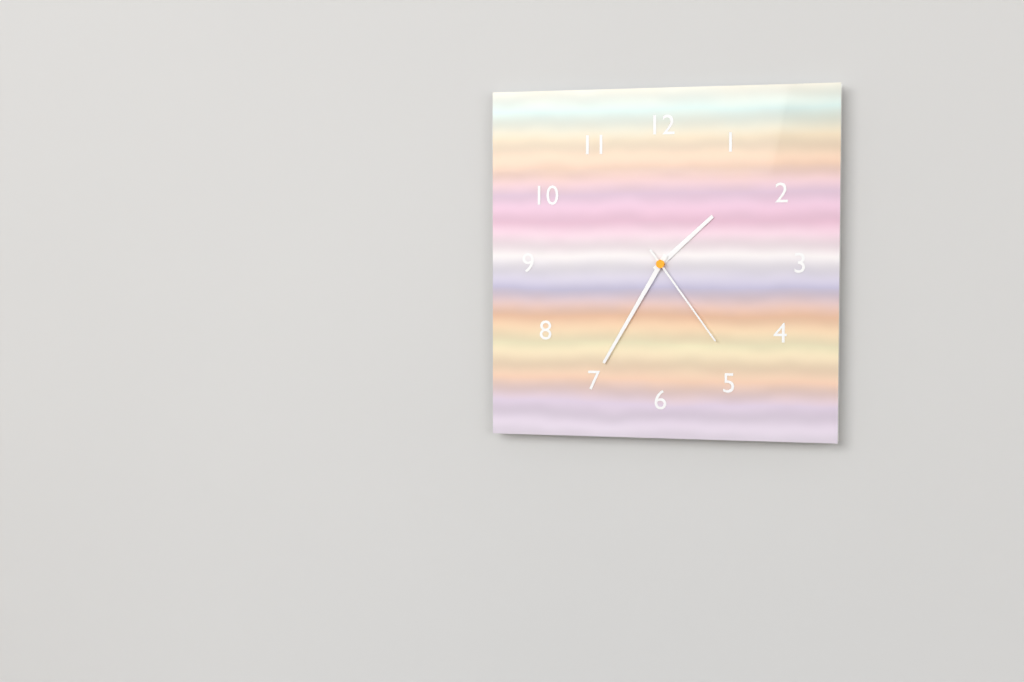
{"hour": 1, "minute": 35, "second": 24}
